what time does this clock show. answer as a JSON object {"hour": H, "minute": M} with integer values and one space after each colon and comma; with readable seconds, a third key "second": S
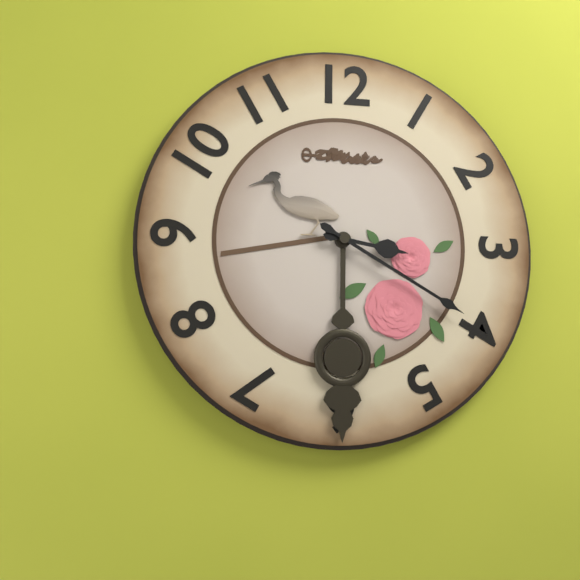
{"hour": 3, "minute": 20}
